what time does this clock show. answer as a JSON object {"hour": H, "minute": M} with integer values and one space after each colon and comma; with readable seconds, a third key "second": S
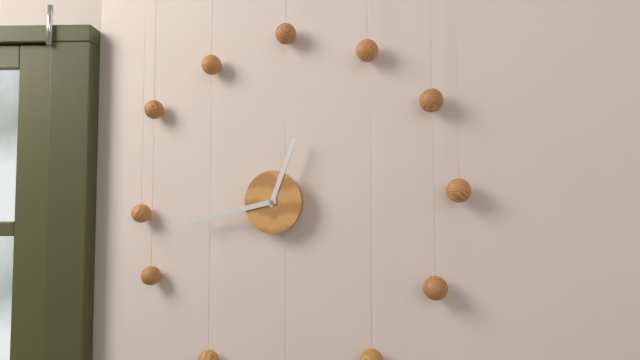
{"hour": 12, "minute": 43}
